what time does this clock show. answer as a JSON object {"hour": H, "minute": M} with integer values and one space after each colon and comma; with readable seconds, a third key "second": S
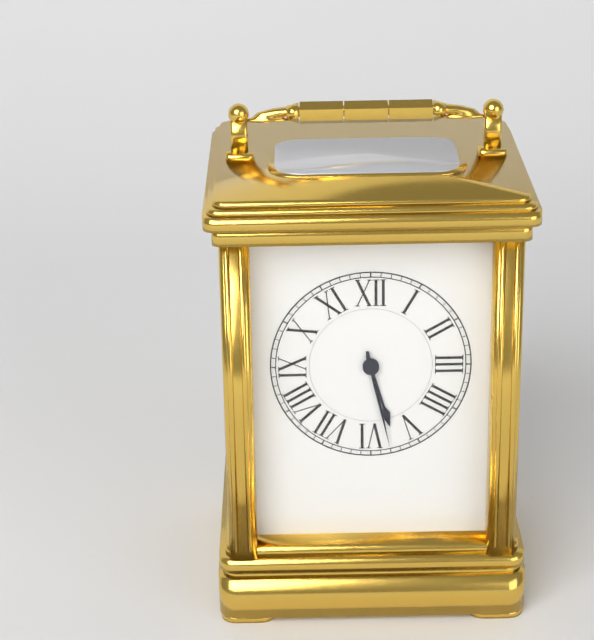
{"hour": 5, "minute": 28}
